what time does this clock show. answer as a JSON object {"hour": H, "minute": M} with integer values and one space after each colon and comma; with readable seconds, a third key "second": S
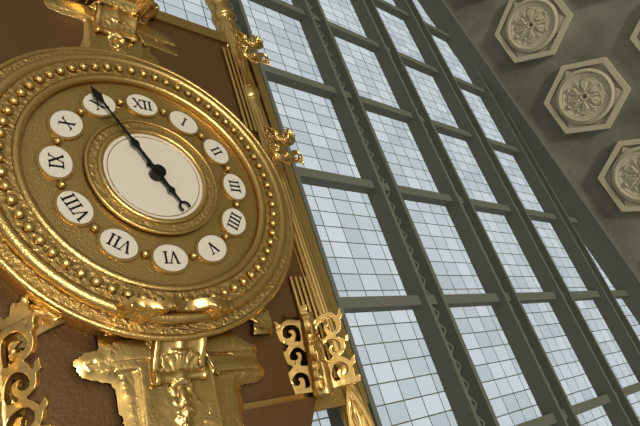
{"hour": 4, "minute": 55}
